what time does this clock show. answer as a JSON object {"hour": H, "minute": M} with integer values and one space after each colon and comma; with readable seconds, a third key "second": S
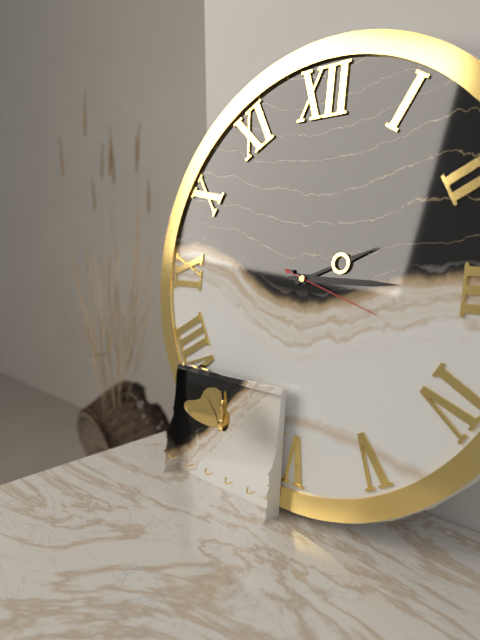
{"hour": 2, "minute": 15, "second": 18}
